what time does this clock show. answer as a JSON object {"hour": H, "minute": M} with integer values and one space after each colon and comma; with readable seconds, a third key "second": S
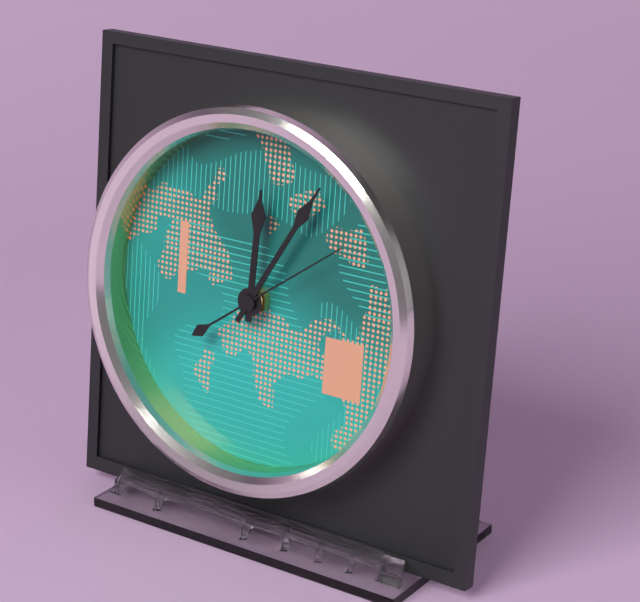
{"hour": 12, "minute": 5, "second": 9}
